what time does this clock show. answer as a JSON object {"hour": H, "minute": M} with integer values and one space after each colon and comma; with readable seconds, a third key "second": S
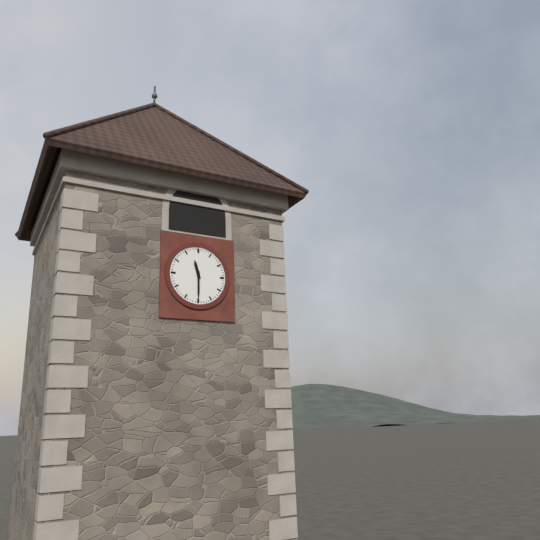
{"hour": 11, "minute": 30}
